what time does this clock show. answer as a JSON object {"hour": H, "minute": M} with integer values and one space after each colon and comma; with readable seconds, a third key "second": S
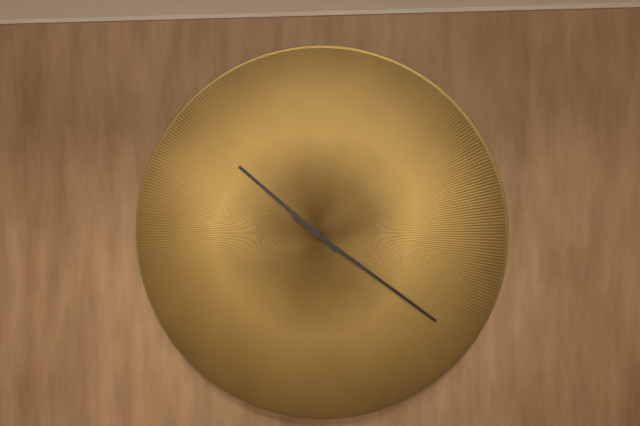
{"hour": 10, "minute": 21}
